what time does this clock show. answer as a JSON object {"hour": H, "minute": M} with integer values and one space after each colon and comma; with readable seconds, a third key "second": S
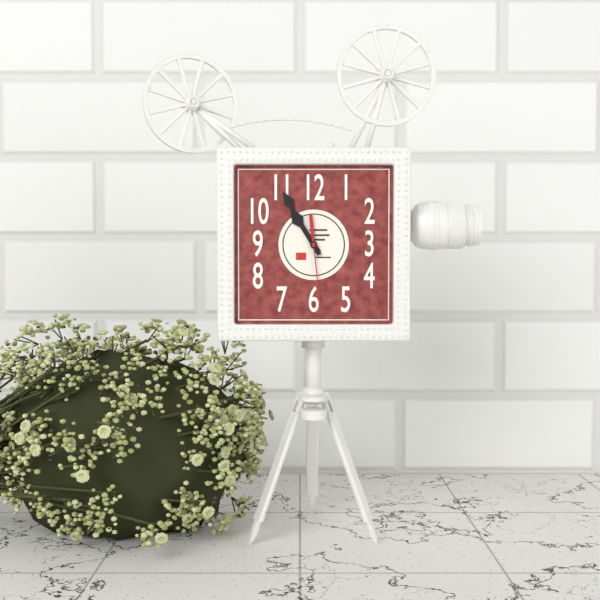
{"hour": 10, "minute": 55, "second": 29}
